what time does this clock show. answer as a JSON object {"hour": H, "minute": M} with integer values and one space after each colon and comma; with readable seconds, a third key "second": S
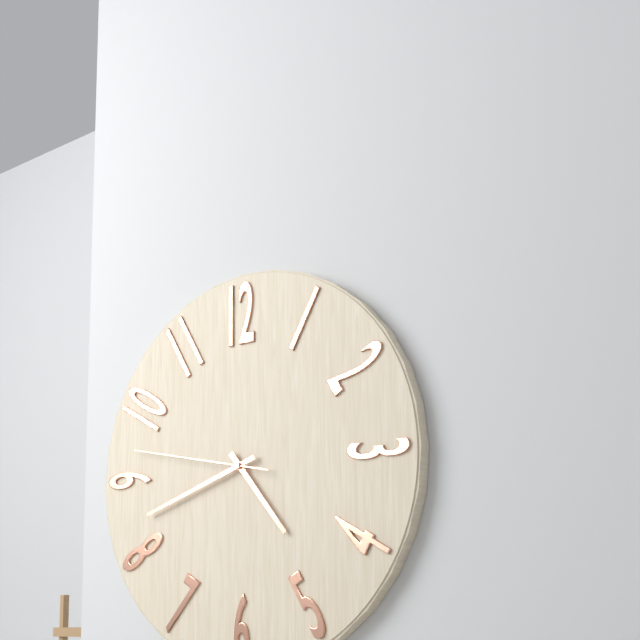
{"hour": 4, "minute": 42, "second": 47}
